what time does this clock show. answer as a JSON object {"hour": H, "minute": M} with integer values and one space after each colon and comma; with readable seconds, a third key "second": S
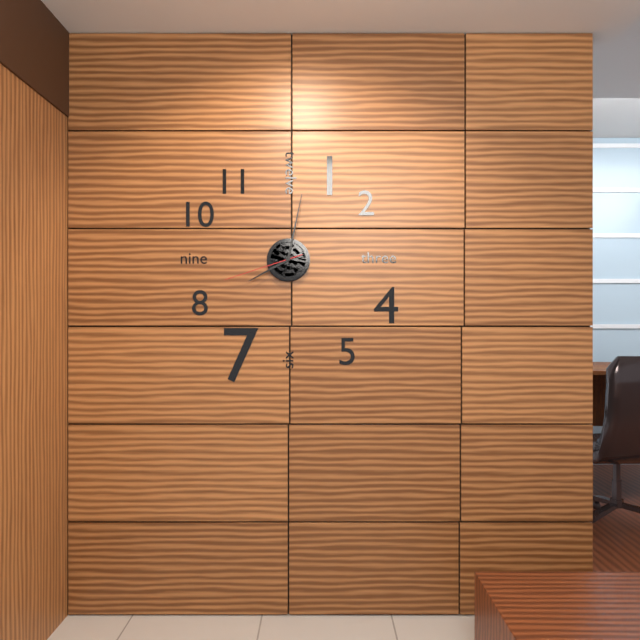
{"hour": 8, "minute": 2, "second": 42}
